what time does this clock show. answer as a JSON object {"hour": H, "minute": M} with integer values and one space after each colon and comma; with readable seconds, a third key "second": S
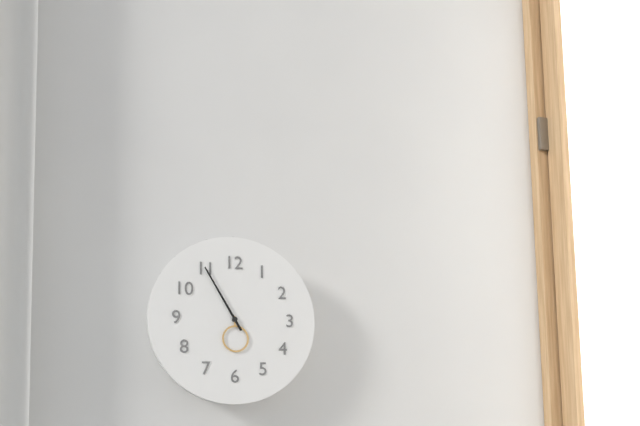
{"hour": 5, "minute": 55}
